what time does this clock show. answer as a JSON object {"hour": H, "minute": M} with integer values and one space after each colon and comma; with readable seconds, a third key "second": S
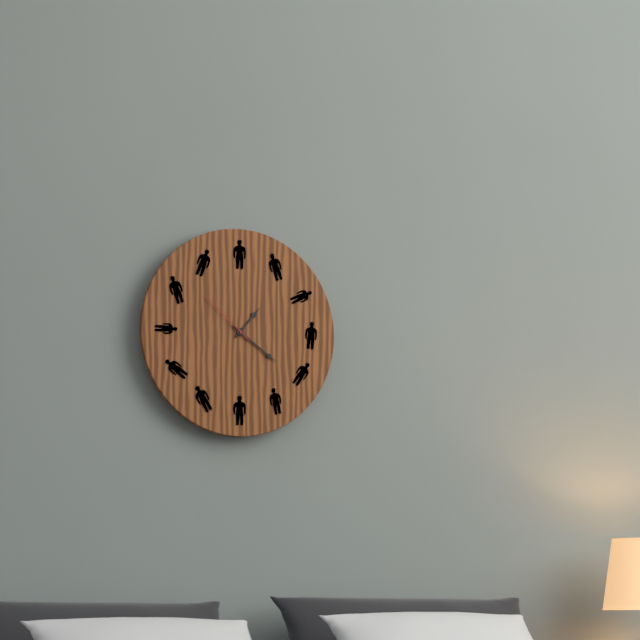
{"hour": 1, "minute": 21, "second": 52}
